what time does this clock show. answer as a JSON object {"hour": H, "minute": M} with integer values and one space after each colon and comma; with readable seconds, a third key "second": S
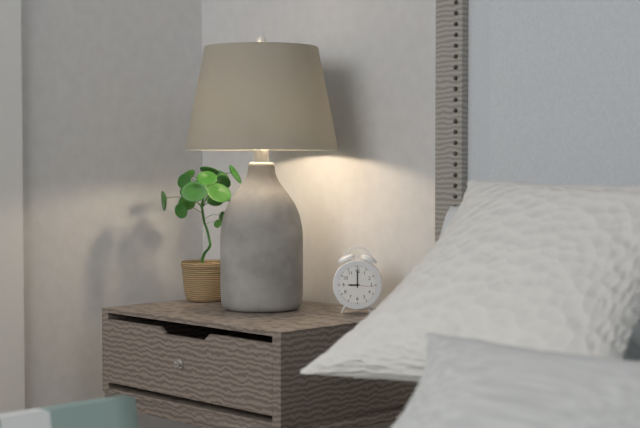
{"hour": 9, "minute": 0}
